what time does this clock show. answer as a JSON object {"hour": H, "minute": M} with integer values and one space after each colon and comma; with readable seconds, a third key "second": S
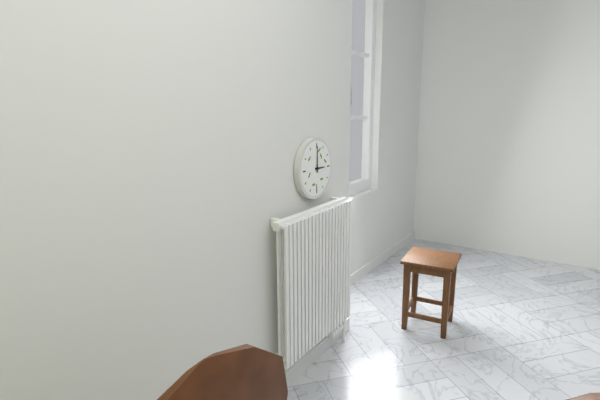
{"hour": 3, "minute": 0}
